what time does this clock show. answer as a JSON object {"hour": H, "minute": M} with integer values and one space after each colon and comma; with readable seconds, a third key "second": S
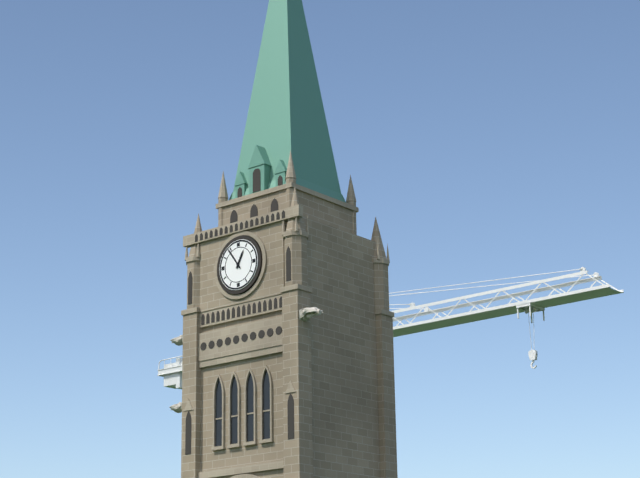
{"hour": 12, "minute": 54}
